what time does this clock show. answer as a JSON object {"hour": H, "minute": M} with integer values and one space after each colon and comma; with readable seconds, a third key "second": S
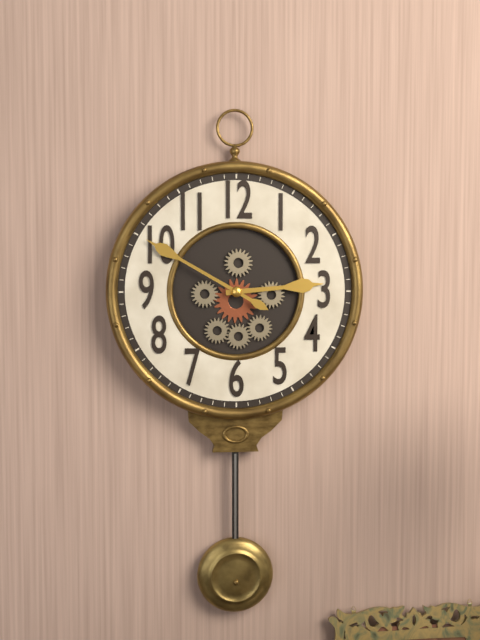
{"hour": 2, "minute": 50}
